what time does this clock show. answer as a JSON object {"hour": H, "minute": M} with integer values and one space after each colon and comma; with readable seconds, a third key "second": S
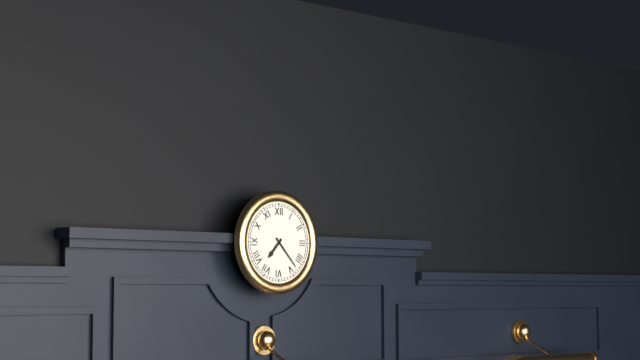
{"hour": 7, "minute": 23}
